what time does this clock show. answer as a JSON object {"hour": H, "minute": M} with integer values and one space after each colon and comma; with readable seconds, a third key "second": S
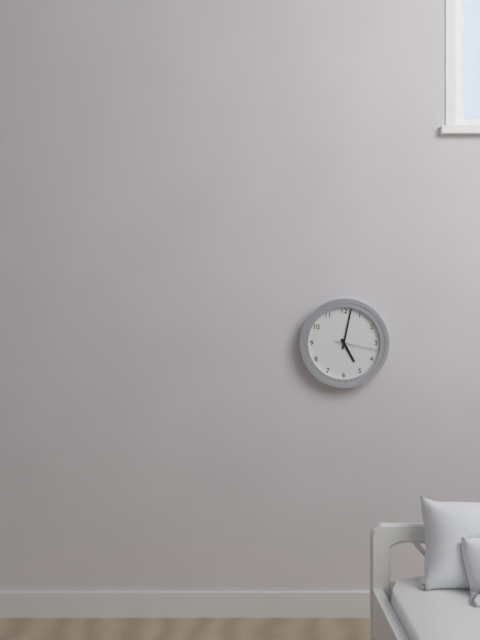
{"hour": 5, "minute": 2}
